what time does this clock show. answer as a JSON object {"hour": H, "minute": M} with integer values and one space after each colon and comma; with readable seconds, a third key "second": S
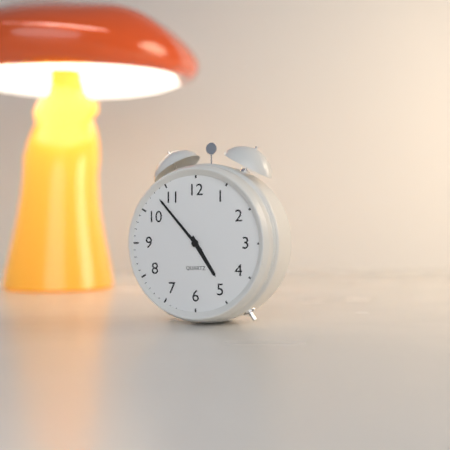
{"hour": 4, "minute": 53}
